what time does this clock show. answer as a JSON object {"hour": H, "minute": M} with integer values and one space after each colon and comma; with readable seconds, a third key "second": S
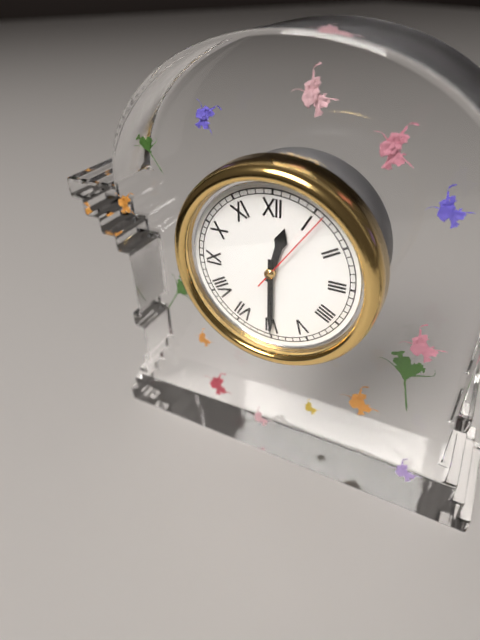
{"hour": 12, "minute": 30, "second": 6}
